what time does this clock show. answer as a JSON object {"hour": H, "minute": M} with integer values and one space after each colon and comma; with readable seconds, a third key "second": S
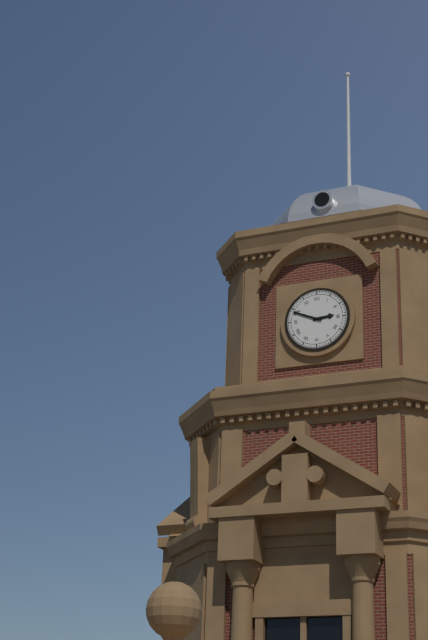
{"hour": 2, "minute": 49}
